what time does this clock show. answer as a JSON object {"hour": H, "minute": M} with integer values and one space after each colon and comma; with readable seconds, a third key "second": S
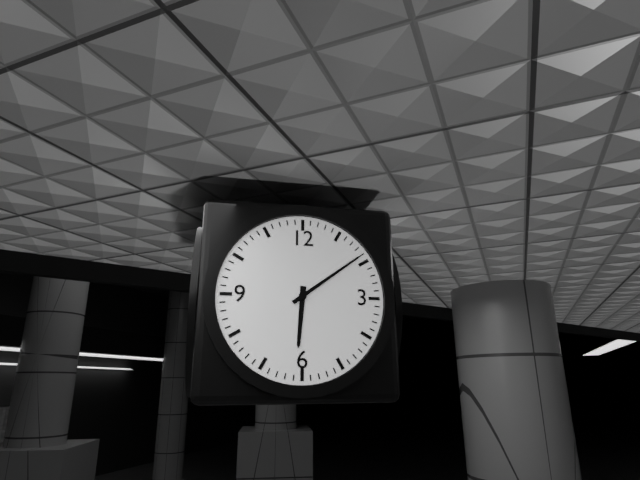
{"hour": 6, "minute": 9}
